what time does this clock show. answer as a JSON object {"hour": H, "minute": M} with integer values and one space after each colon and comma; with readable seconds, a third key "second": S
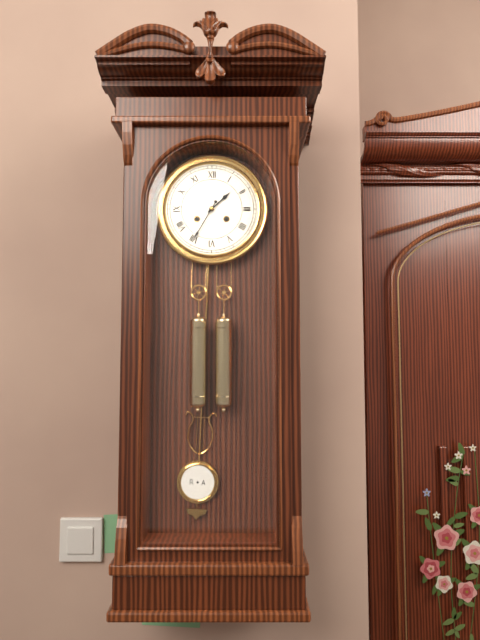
{"hour": 1, "minute": 35}
